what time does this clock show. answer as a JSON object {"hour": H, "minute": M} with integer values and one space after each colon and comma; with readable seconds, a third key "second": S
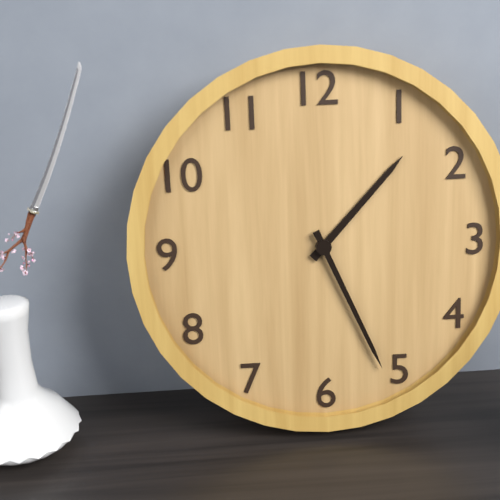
{"hour": 1, "minute": 26}
